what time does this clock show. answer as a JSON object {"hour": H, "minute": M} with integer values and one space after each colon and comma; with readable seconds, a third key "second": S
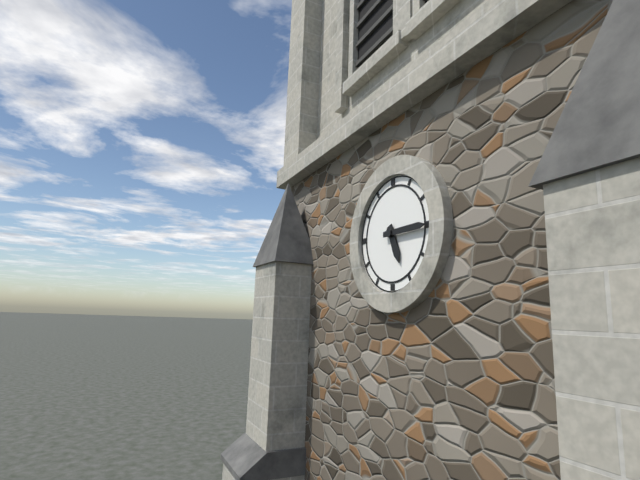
{"hour": 5, "minute": 15}
